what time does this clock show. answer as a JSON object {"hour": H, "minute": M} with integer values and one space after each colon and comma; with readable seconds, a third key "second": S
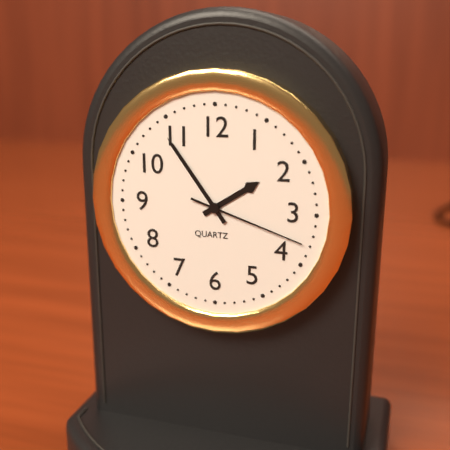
{"hour": 1, "minute": 54, "second": 18}
